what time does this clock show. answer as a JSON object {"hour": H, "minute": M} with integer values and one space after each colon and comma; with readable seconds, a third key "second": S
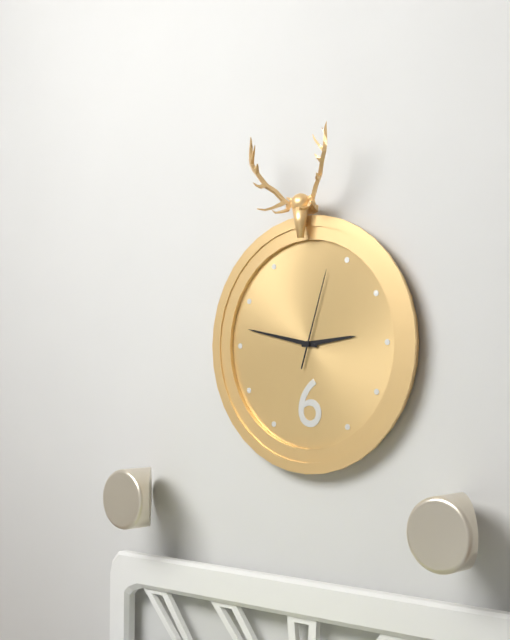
{"hour": 2, "minute": 47, "second": 3}
